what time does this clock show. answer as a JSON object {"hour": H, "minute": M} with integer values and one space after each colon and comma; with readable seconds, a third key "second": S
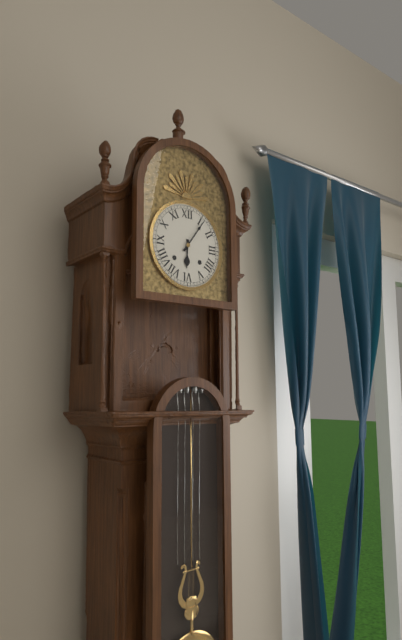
{"hour": 6, "minute": 6}
